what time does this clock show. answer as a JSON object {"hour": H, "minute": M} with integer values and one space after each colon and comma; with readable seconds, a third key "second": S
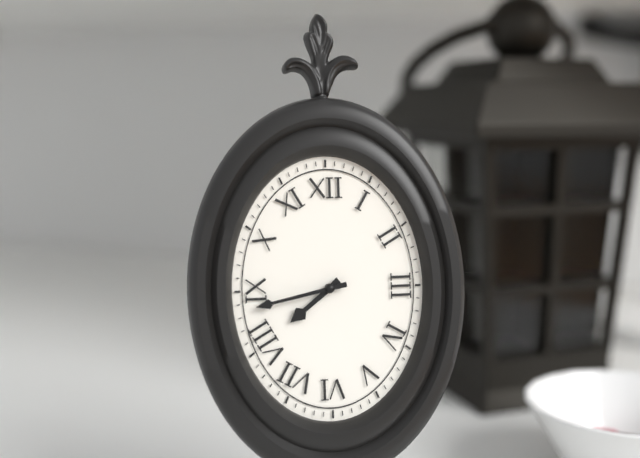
{"hour": 7, "minute": 43}
